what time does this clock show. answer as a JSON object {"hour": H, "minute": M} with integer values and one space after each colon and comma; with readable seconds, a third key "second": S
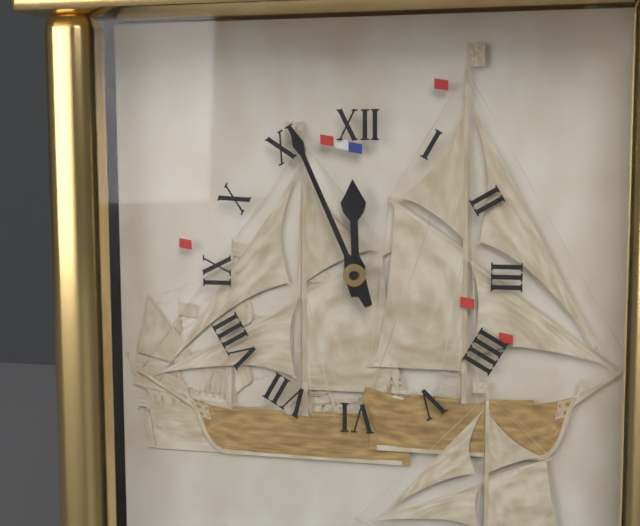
{"hour": 11, "minute": 56}
